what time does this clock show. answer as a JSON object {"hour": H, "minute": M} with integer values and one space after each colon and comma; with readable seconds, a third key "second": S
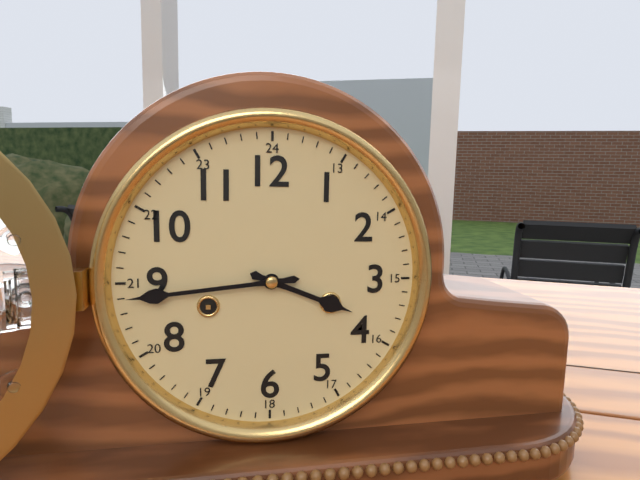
{"hour": 3, "minute": 44}
